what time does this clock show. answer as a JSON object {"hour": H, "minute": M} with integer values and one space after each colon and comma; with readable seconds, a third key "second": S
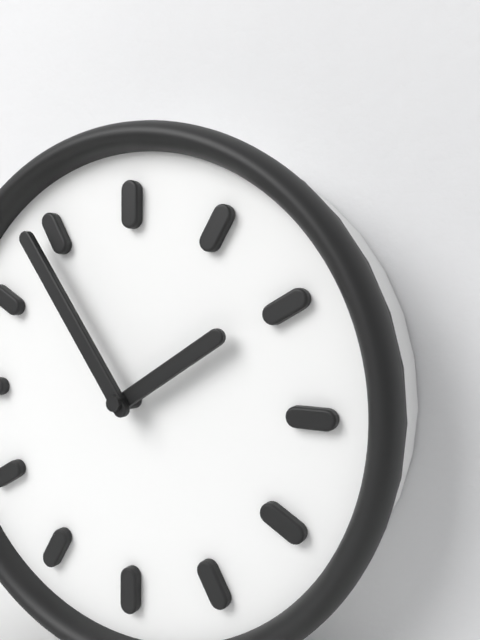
{"hour": 1, "minute": 54}
